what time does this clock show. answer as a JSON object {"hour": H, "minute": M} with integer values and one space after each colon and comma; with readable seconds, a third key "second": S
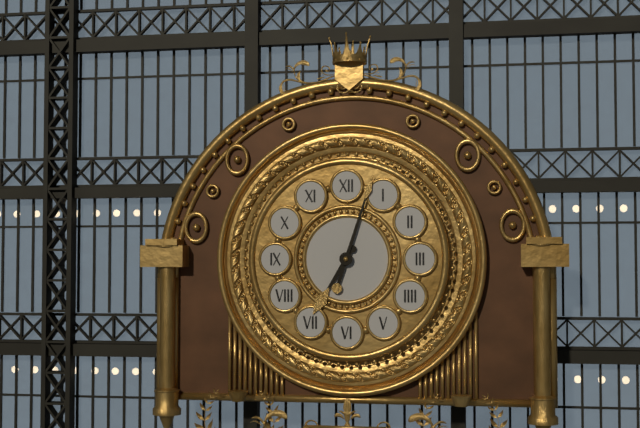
{"hour": 7, "minute": 3}
